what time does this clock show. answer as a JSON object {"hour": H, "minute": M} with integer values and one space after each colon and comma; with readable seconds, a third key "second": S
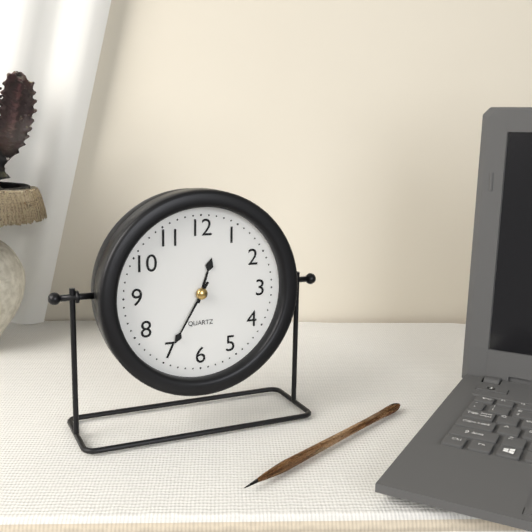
{"hour": 12, "minute": 35}
